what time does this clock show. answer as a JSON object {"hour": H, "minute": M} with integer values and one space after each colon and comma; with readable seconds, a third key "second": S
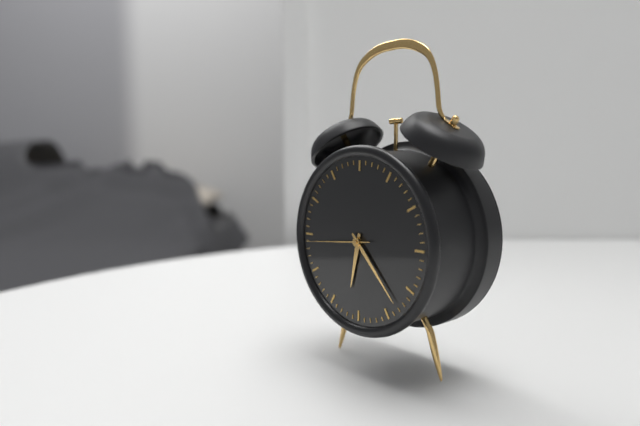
{"hour": 6, "minute": 23, "second": 44}
